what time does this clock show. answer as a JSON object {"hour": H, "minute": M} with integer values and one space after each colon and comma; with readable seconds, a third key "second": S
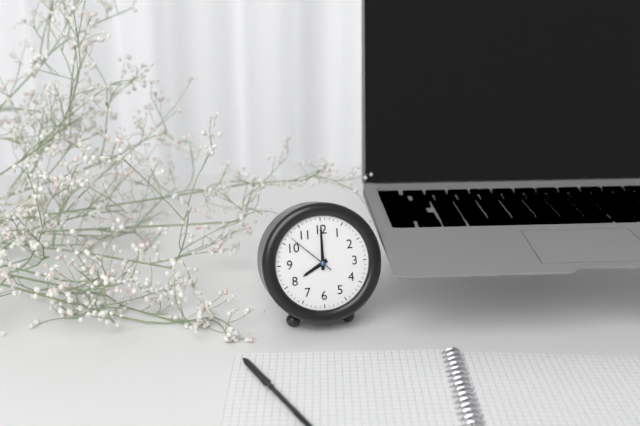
{"hour": 8, "minute": 0, "second": 52}
